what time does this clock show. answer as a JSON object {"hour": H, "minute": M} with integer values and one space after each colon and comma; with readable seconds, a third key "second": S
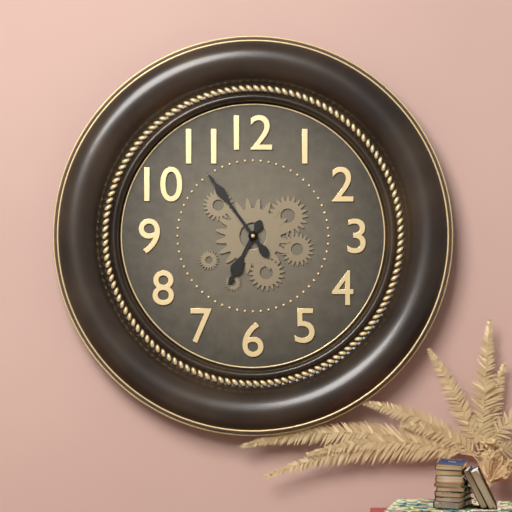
{"hour": 6, "minute": 54}
